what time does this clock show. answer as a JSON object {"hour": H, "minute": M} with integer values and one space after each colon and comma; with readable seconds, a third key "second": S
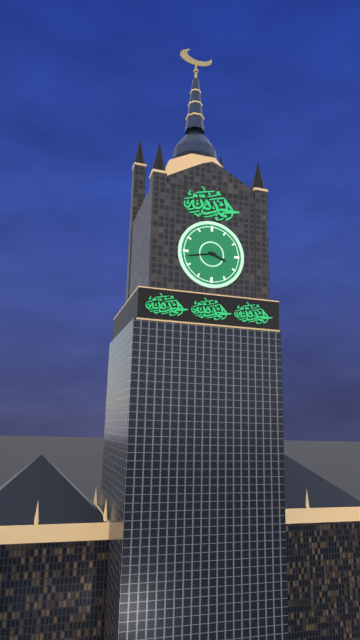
{"hour": 3, "minute": 43}
